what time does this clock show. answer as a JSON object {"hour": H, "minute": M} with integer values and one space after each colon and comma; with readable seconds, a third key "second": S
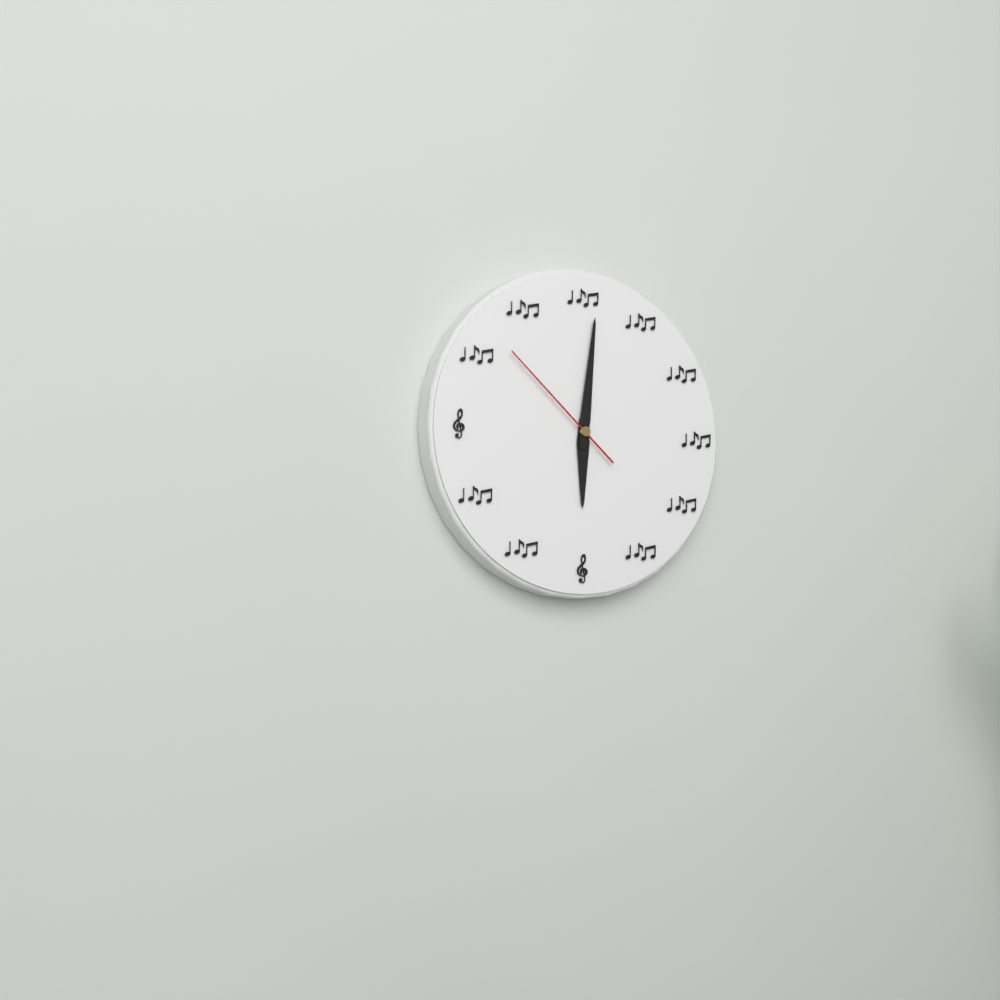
{"hour": 6, "minute": 1, "second": 52}
